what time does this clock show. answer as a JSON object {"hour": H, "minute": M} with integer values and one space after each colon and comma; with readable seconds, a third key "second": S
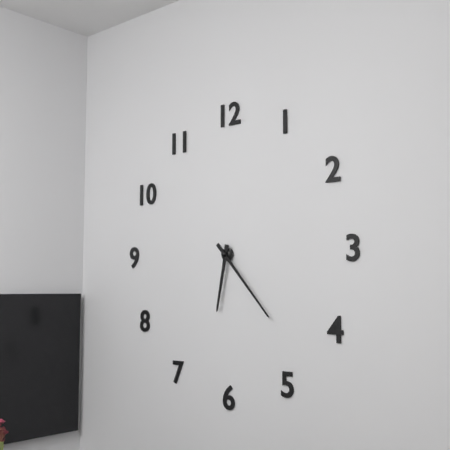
{"hour": 6, "minute": 23}
